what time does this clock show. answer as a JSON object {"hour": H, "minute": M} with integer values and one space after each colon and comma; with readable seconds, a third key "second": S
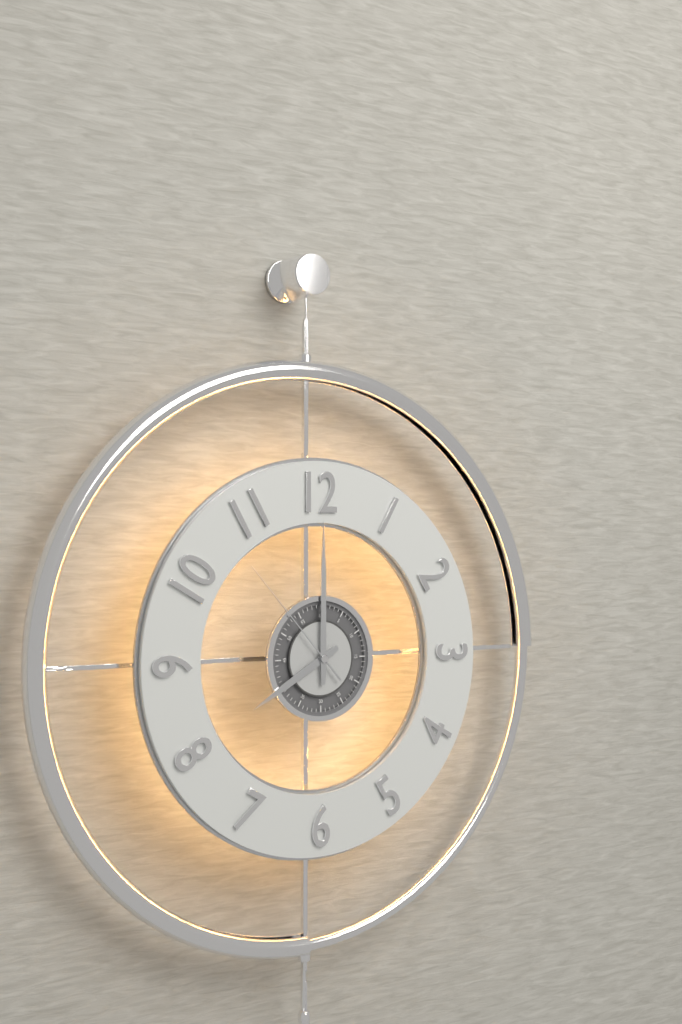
{"hour": 8, "minute": 0, "second": 53}
